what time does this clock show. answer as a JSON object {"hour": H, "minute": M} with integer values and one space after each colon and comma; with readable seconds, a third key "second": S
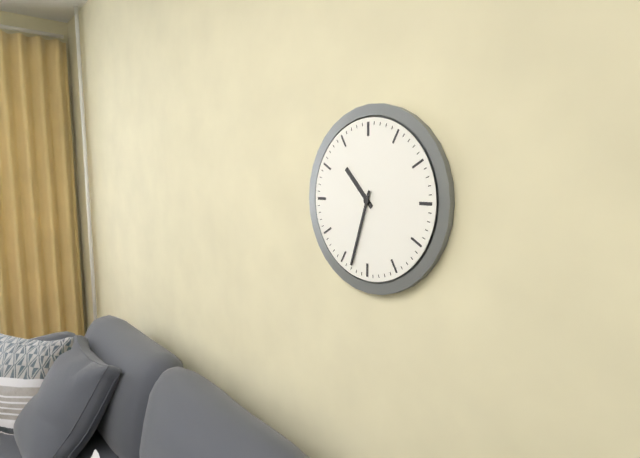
{"hour": 10, "minute": 33}
